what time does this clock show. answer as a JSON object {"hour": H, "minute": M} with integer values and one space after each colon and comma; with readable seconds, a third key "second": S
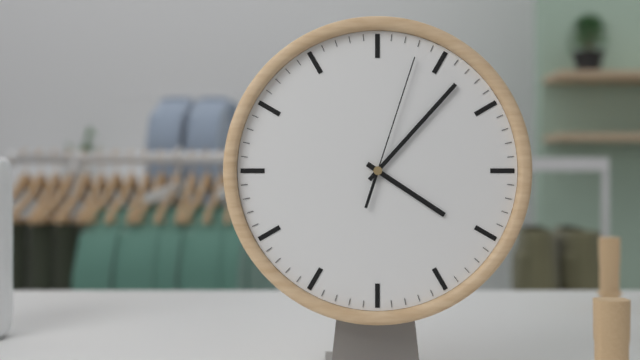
{"hour": 4, "minute": 7, "second": 3}
